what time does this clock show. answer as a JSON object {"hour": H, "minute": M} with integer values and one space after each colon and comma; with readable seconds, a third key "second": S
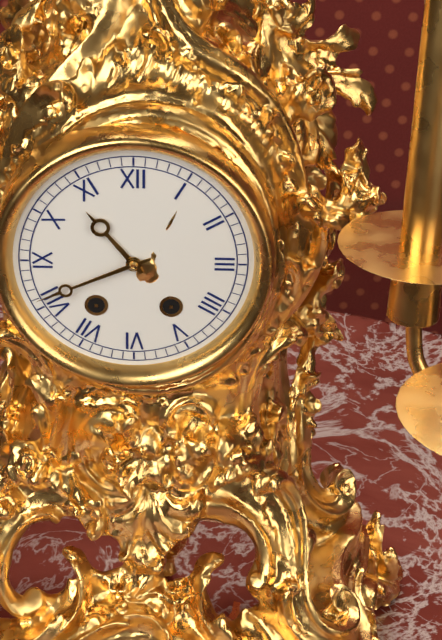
{"hour": 10, "minute": 41}
